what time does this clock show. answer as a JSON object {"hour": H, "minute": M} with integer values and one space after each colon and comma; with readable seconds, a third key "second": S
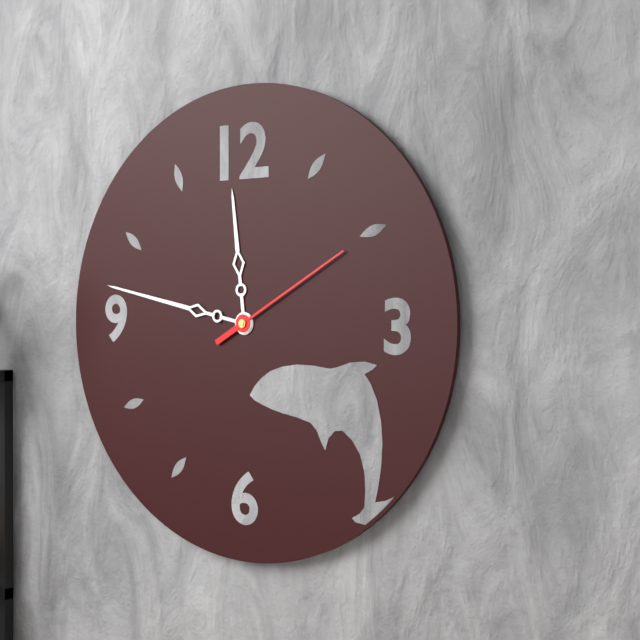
{"hour": 11, "minute": 47, "second": 10}
